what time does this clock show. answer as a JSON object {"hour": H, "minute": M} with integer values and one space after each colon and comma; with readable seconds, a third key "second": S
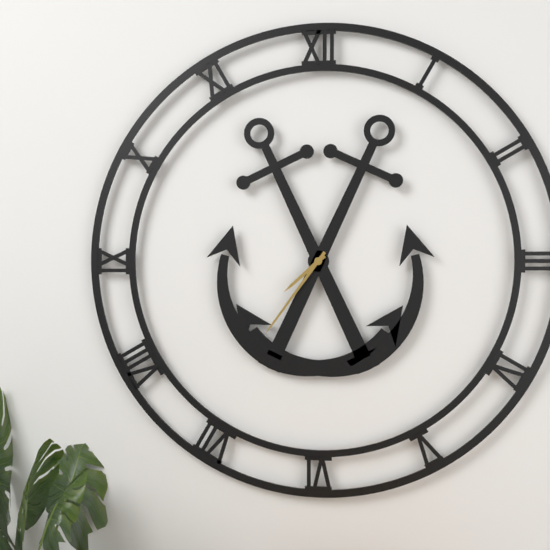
{"hour": 7, "minute": 36}
